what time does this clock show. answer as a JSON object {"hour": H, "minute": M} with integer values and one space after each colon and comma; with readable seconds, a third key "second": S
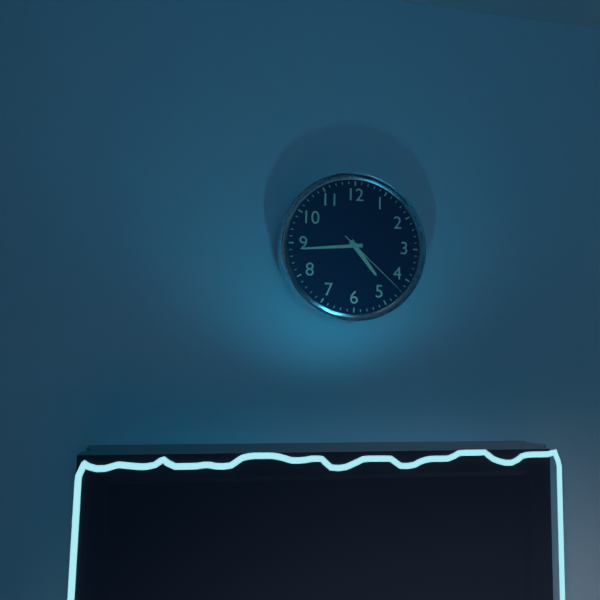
{"hour": 4, "minute": 44, "second": 22}
